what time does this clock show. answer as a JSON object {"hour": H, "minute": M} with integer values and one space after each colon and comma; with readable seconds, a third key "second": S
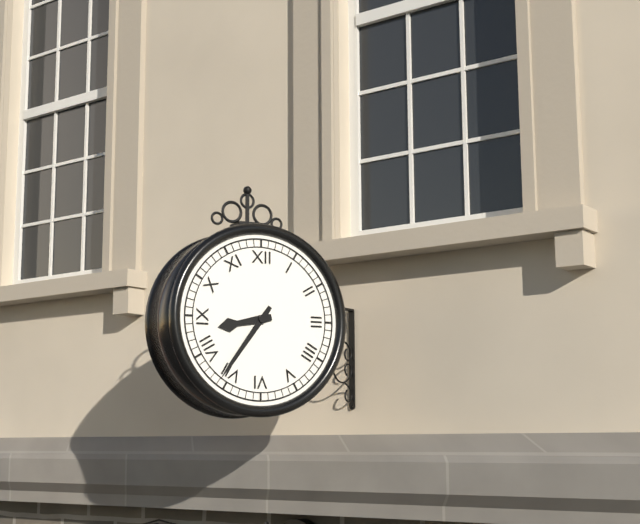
{"hour": 8, "minute": 36}
